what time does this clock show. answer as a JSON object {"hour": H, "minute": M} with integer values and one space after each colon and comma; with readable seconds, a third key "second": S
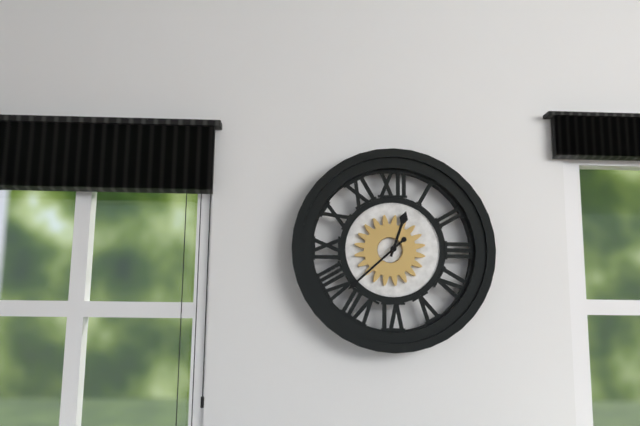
{"hour": 12, "minute": 38}
